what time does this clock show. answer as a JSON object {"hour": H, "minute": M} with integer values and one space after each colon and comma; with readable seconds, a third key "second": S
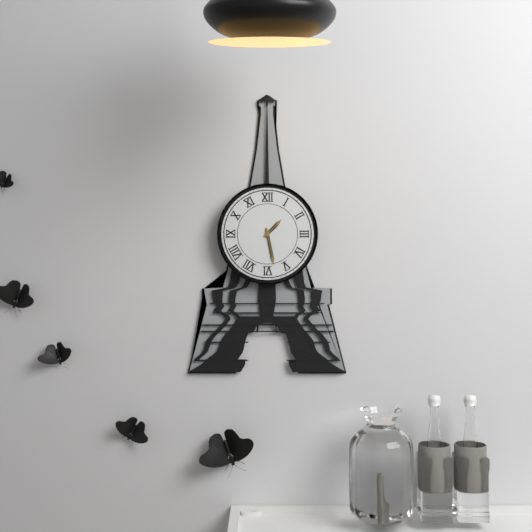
{"hour": 1, "minute": 28}
